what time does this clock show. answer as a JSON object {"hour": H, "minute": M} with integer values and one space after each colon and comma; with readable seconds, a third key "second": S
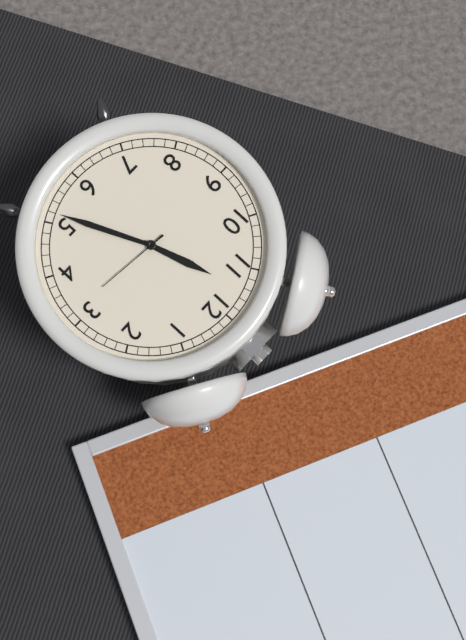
{"hour": 11, "minute": 26, "second": 16}
